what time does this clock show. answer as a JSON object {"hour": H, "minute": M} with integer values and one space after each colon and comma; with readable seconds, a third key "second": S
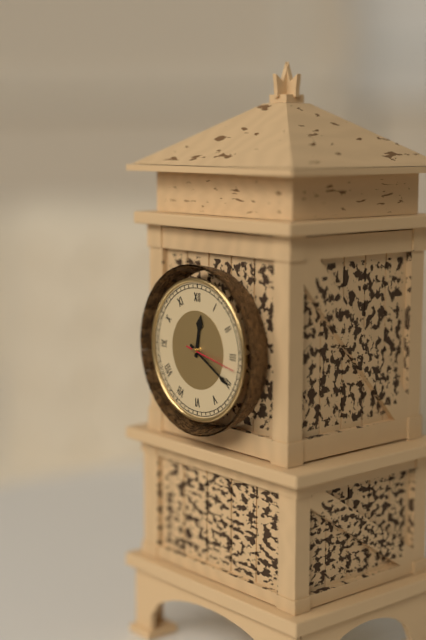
{"hour": 12, "minute": 20, "second": 17}
